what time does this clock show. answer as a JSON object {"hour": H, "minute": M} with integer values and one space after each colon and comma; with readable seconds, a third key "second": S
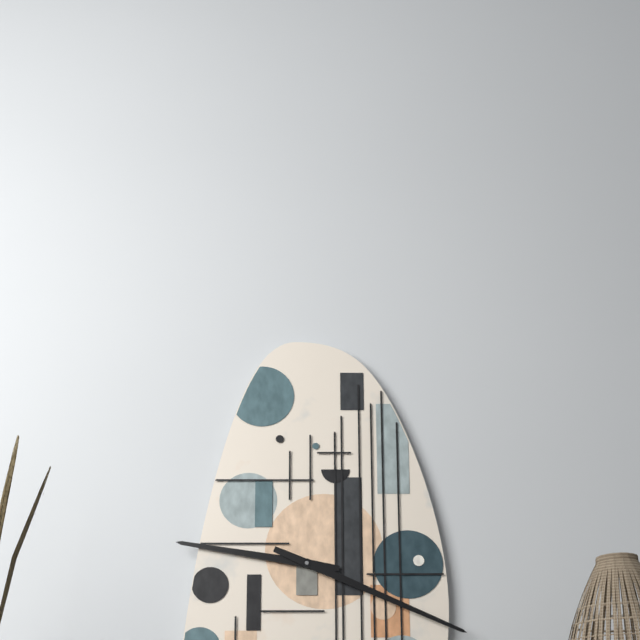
{"hour": 9, "minute": 19}
